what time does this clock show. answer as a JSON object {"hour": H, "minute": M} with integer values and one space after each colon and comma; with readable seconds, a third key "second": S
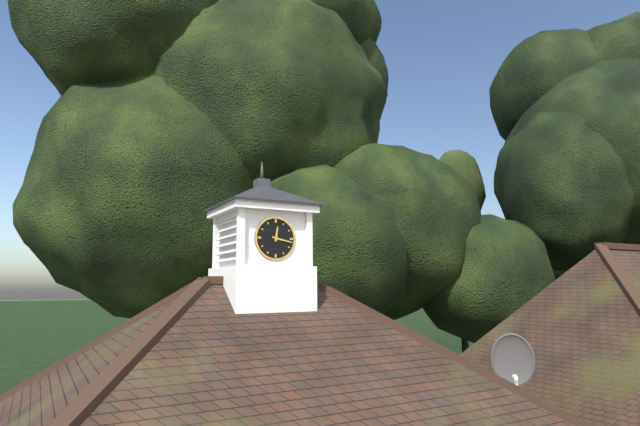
{"hour": 12, "minute": 17}
